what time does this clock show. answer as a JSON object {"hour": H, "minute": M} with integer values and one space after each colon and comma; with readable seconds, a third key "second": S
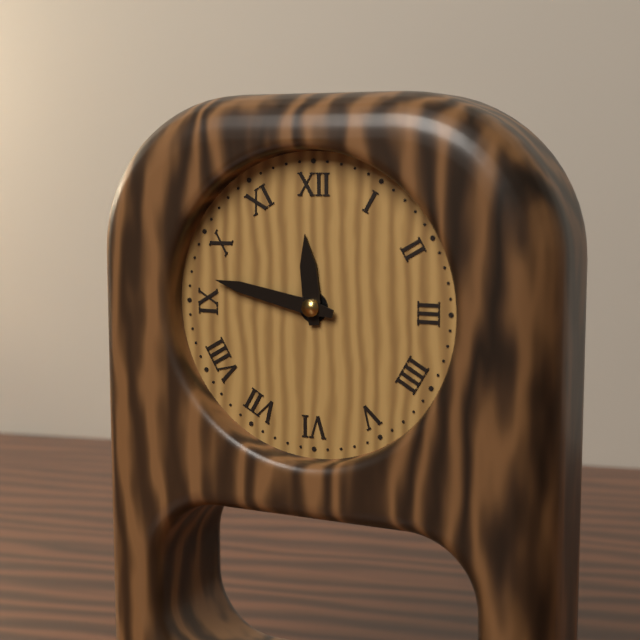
{"hour": 11, "minute": 47}
